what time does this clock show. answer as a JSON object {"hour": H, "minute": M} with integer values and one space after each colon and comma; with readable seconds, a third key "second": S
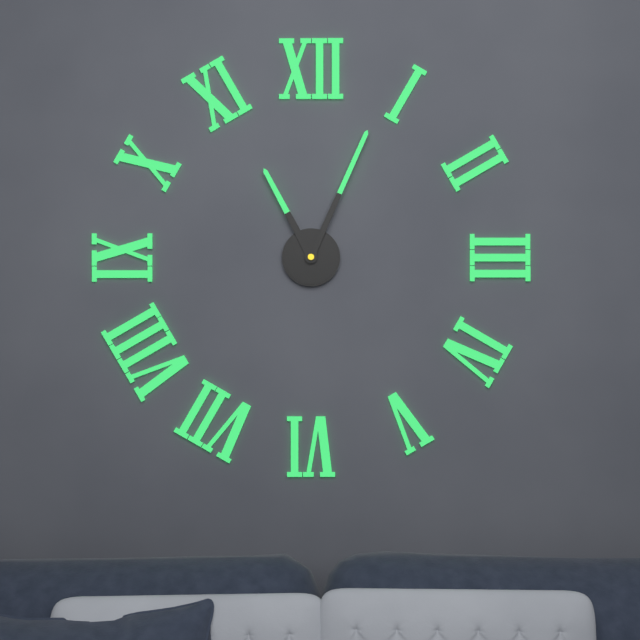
{"hour": 11, "minute": 4}
